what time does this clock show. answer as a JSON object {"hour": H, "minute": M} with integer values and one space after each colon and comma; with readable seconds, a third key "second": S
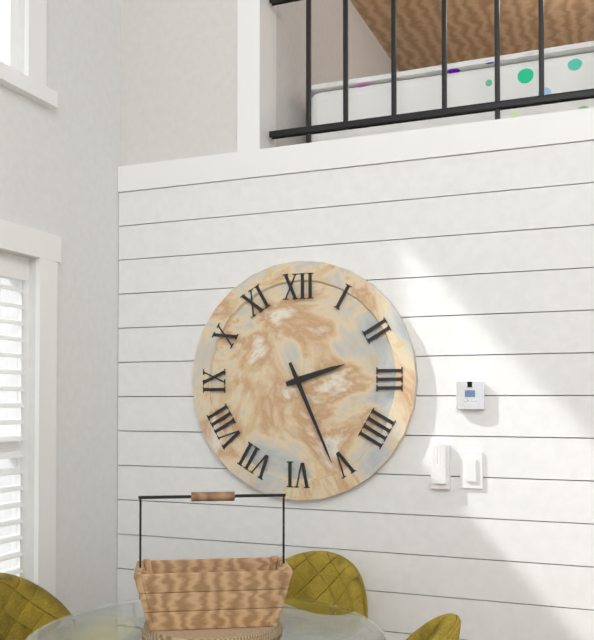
{"hour": 2, "minute": 26}
